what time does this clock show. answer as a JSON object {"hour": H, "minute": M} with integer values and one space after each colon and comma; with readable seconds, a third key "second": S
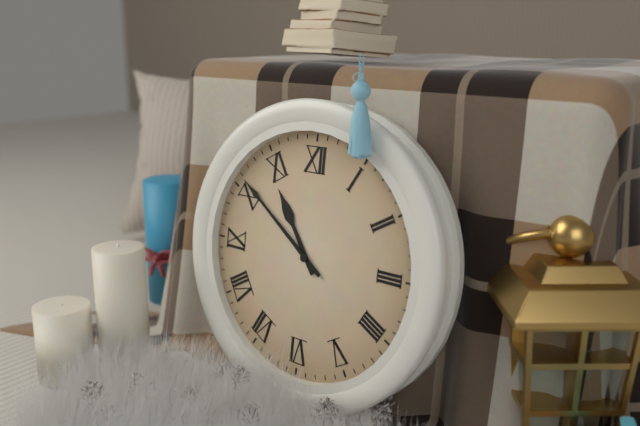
{"hour": 10, "minute": 51}
